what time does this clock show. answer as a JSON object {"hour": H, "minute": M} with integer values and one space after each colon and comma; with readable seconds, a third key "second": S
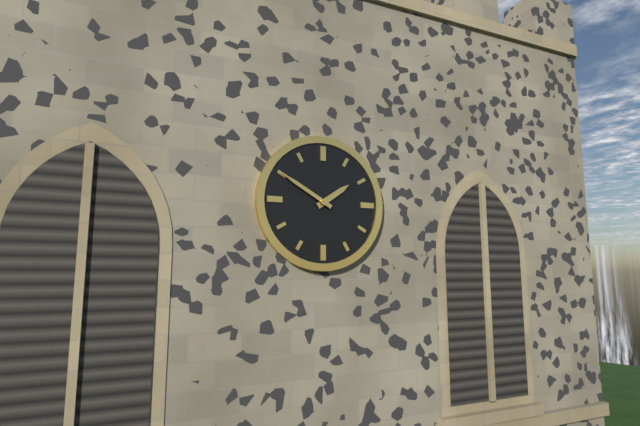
{"hour": 1, "minute": 50}
